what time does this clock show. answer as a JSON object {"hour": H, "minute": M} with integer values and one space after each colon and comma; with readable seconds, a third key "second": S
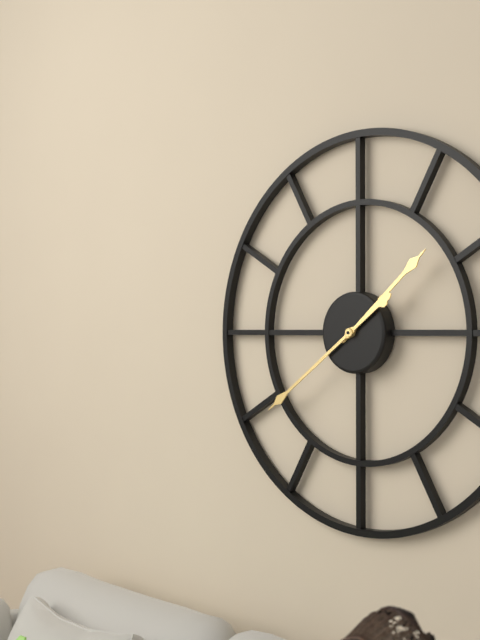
{"hour": 1, "minute": 39}
